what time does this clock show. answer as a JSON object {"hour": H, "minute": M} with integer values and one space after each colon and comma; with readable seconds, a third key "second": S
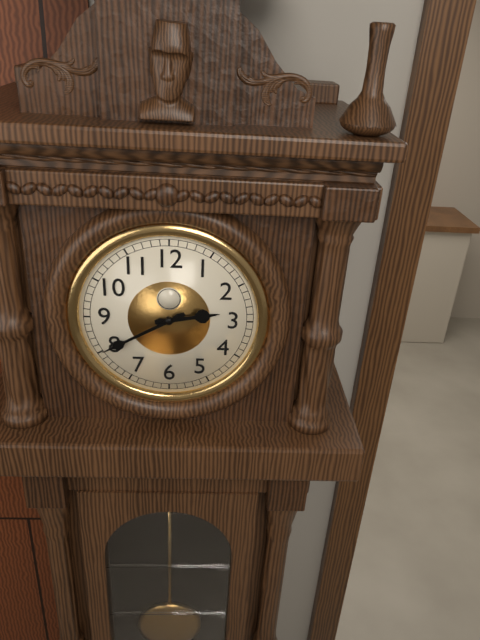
{"hour": 2, "minute": 40}
